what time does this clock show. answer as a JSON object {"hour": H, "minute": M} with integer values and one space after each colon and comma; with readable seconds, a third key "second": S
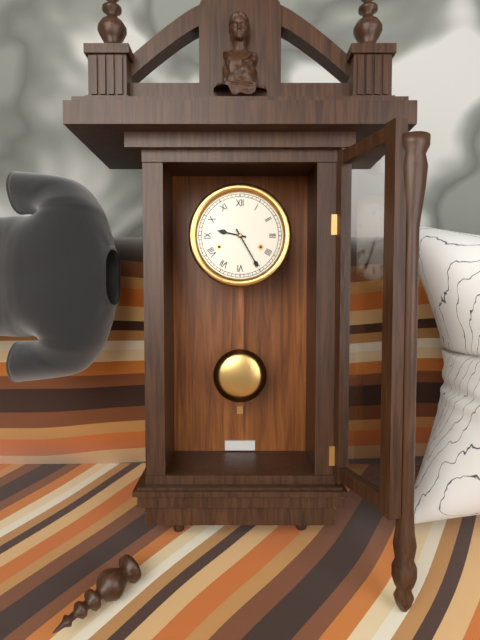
{"hour": 9, "minute": 25}
